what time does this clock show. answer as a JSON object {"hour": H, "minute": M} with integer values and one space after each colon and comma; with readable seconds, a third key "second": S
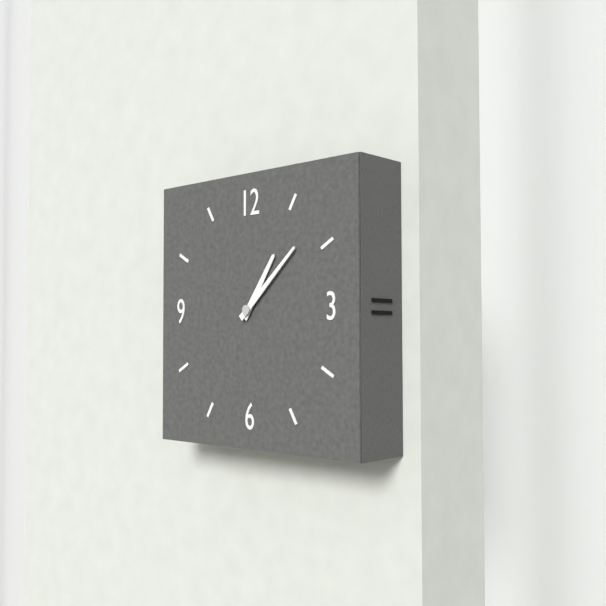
{"hour": 1, "minute": 8}
